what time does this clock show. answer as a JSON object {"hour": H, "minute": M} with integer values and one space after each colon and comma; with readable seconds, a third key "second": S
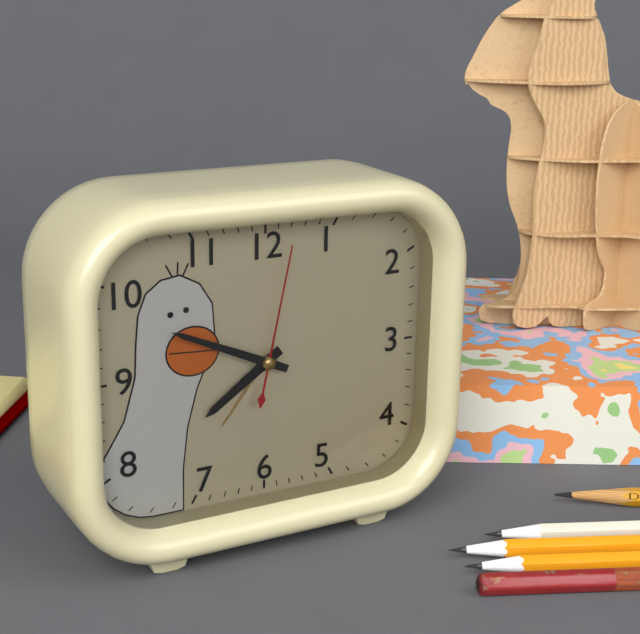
{"hour": 7, "minute": 49, "second": 2}
